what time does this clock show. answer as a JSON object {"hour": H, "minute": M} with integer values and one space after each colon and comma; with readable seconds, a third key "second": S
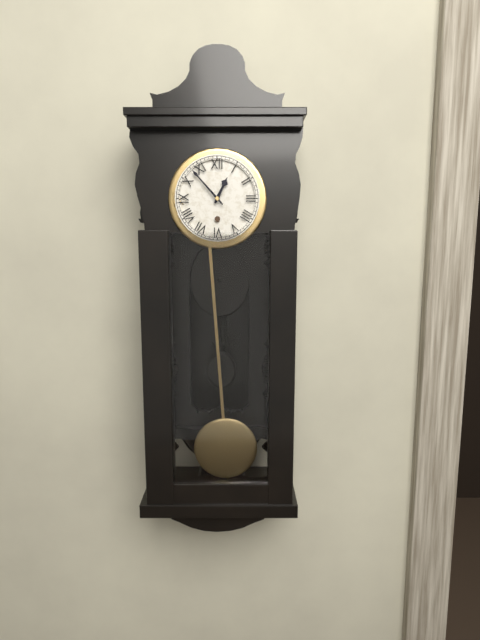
{"hour": 12, "minute": 53}
